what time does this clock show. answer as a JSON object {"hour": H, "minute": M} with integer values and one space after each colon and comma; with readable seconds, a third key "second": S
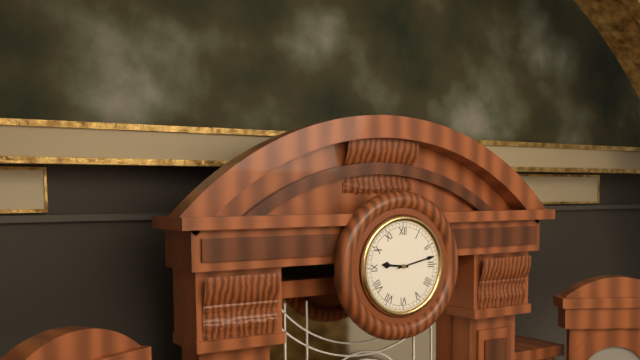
{"hour": 9, "minute": 13}
